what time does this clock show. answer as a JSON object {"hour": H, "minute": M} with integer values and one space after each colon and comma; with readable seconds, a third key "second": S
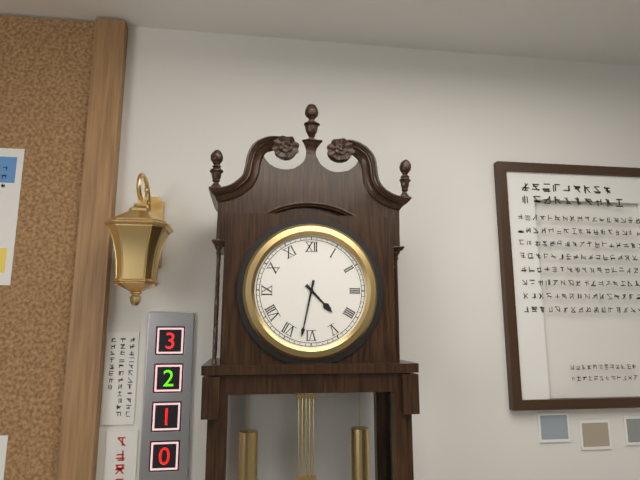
{"hour": 4, "minute": 32}
